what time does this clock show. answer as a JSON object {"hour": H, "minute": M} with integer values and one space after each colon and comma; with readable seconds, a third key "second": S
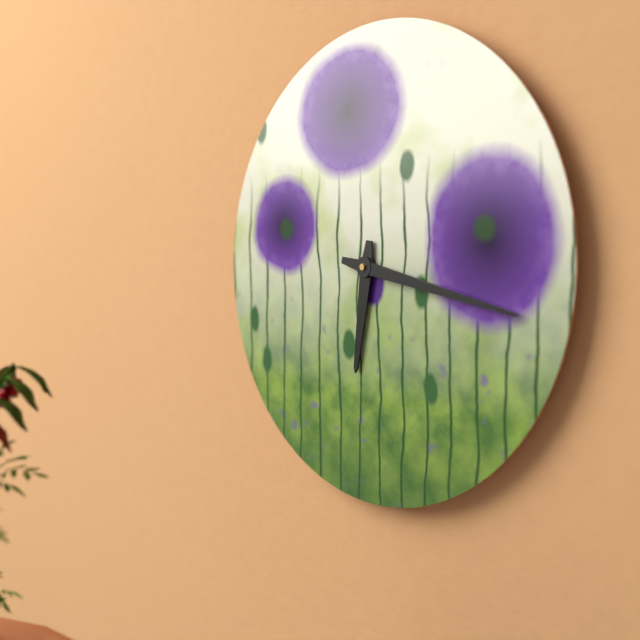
{"hour": 6, "minute": 17}
